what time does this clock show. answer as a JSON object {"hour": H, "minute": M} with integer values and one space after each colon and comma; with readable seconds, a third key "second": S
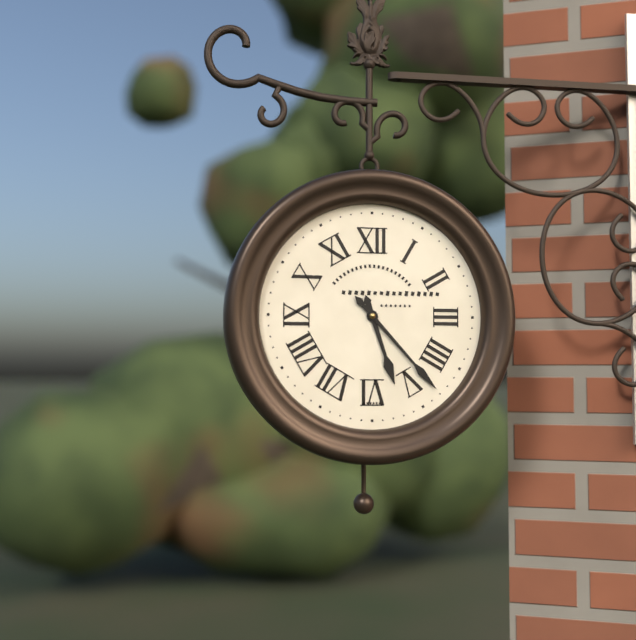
{"hour": 5, "minute": 23}
